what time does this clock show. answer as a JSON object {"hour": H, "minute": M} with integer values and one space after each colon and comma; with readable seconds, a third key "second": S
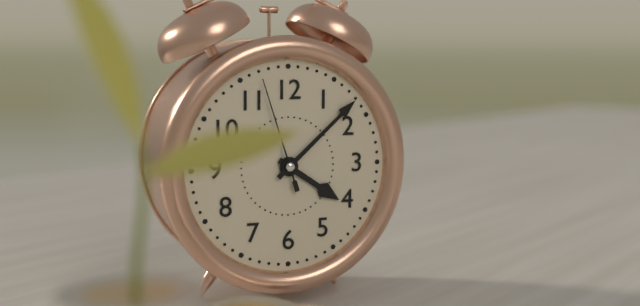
{"hour": 4, "minute": 8, "second": 57}
